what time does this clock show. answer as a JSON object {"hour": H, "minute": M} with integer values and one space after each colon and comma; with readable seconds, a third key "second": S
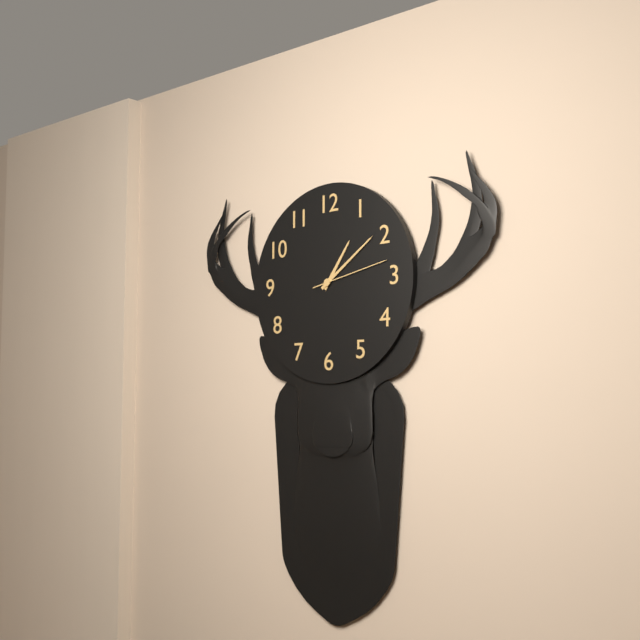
{"hour": 1, "minute": 9, "second": 13}
